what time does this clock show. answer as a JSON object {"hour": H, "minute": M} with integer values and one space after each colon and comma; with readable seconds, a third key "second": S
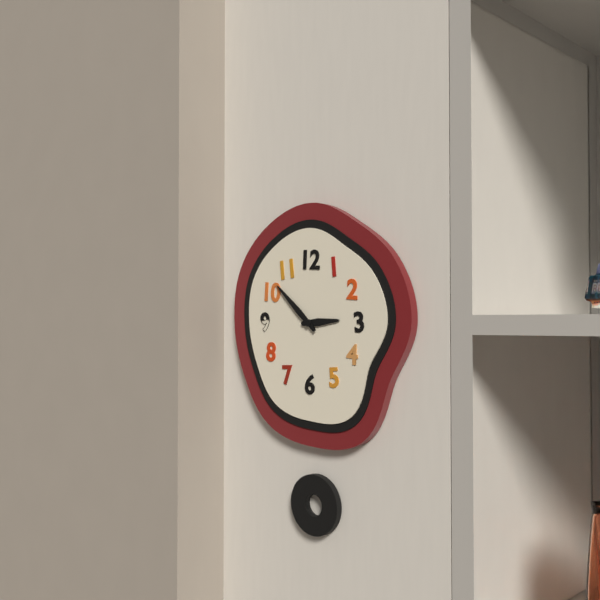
{"hour": 2, "minute": 52}
